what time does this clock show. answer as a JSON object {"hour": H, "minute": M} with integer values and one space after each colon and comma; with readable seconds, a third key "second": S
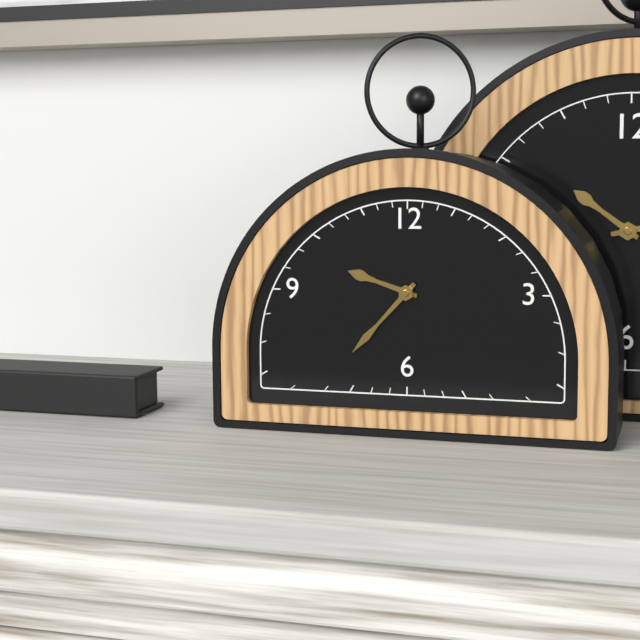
{"hour": 9, "minute": 37}
